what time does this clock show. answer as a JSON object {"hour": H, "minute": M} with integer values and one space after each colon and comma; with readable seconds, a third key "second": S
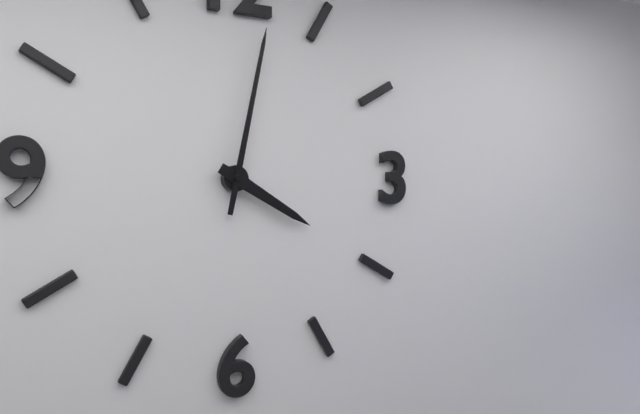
{"hour": 4, "minute": 2}
